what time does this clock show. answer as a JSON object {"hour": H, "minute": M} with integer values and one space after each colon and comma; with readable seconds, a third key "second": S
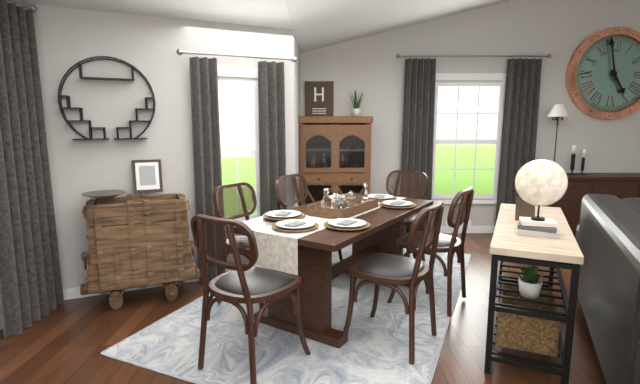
{"hour": 4, "minute": 58}
